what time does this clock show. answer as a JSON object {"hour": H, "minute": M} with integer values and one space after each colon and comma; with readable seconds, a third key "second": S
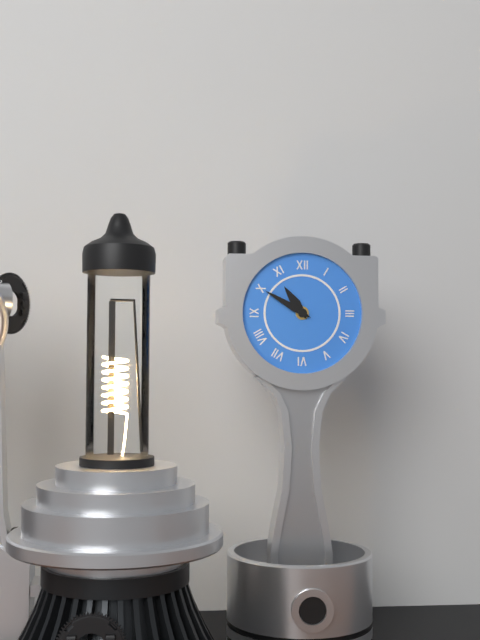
{"hour": 10, "minute": 50}
